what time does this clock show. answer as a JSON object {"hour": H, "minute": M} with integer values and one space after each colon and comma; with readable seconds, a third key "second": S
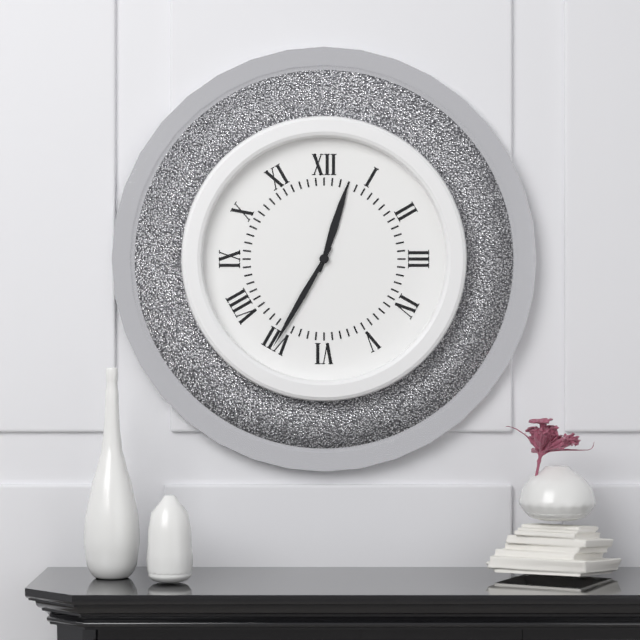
{"hour": 12, "minute": 35}
